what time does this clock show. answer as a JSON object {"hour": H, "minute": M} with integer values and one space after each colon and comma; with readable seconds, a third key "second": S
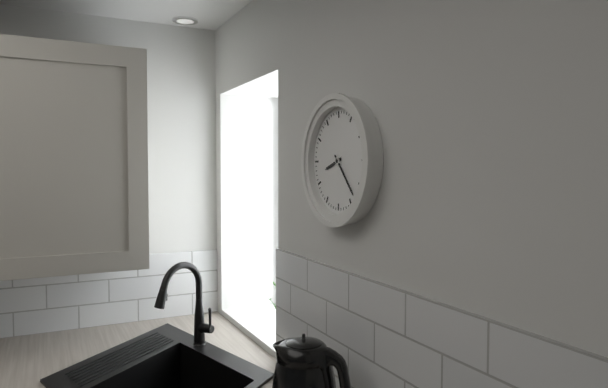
{"hour": 8, "minute": 23}
